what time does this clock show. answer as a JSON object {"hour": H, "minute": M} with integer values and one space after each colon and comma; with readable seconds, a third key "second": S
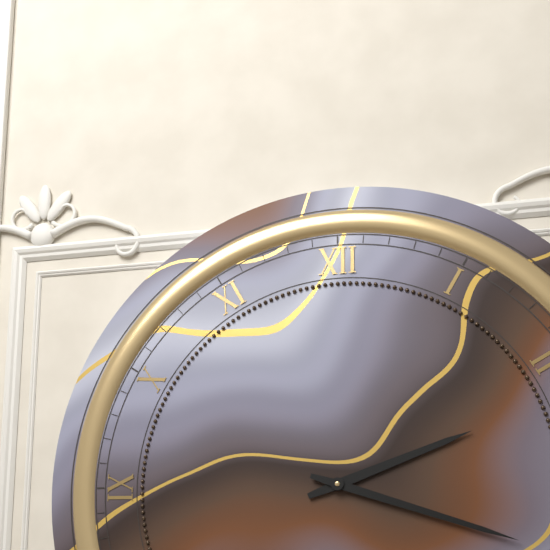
{"hour": 2, "minute": 18}
